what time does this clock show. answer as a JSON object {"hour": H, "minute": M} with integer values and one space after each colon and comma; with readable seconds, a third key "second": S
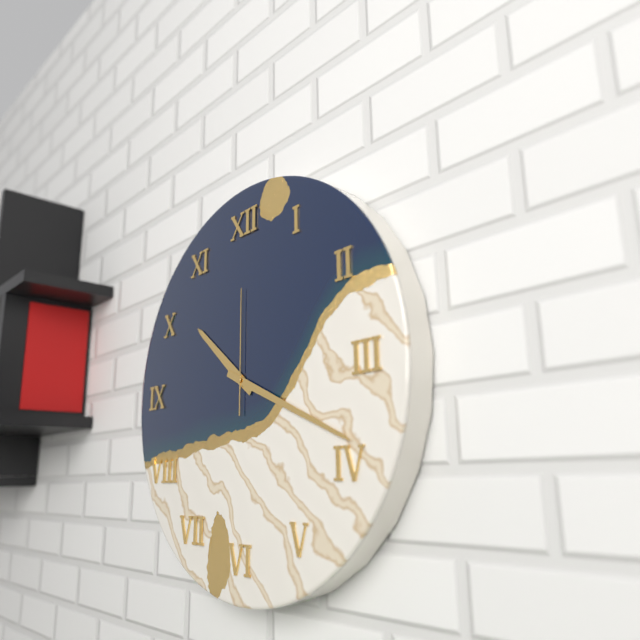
{"hour": 10, "minute": 19, "second": 0}
